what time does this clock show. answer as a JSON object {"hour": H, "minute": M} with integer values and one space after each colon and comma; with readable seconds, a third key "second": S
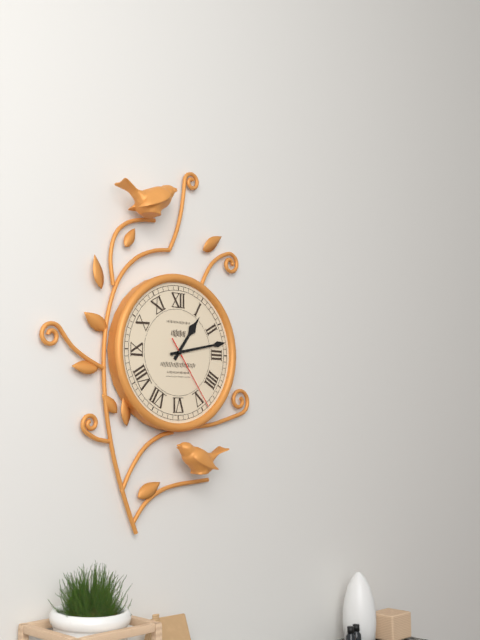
{"hour": 1, "minute": 13, "second": 24}
